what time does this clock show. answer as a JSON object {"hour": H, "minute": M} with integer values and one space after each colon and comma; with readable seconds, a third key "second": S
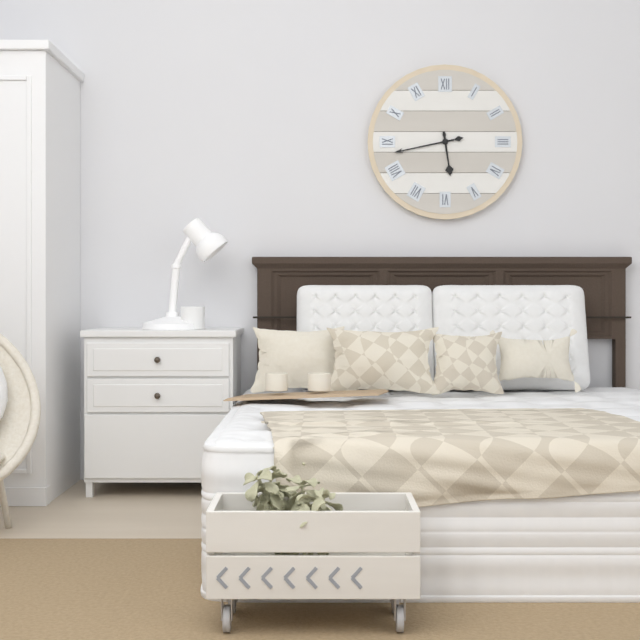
{"hour": 5, "minute": 43}
